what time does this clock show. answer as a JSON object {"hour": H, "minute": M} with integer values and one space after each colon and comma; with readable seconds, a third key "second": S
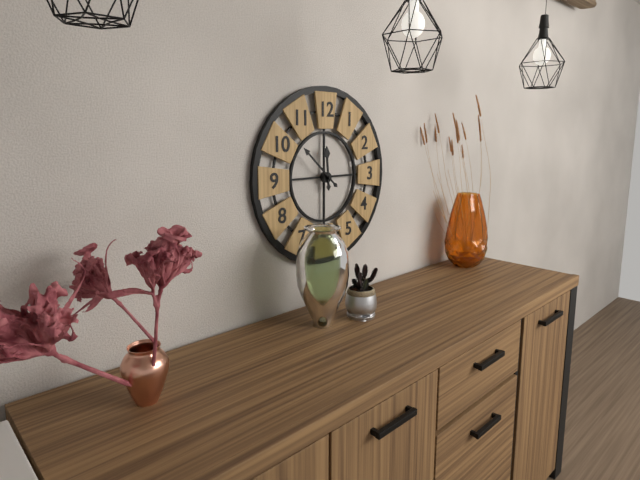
{"hour": 11, "minute": 52}
